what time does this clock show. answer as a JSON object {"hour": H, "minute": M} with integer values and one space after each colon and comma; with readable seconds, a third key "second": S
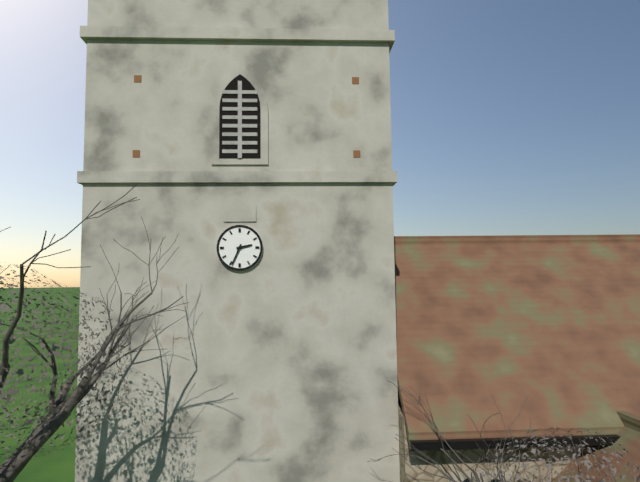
{"hour": 2, "minute": 34}
